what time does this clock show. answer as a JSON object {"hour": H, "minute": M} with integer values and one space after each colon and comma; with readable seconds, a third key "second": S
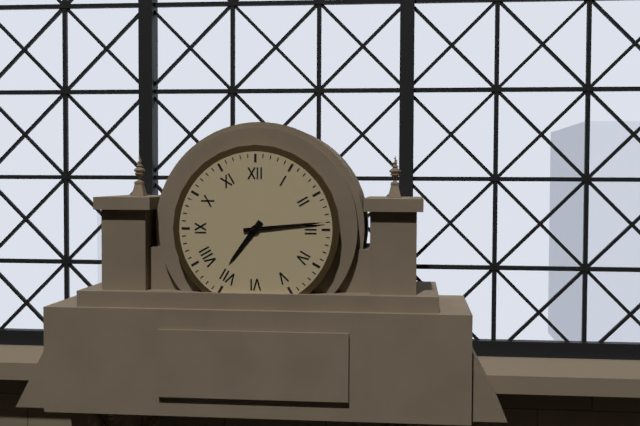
{"hour": 7, "minute": 14}
